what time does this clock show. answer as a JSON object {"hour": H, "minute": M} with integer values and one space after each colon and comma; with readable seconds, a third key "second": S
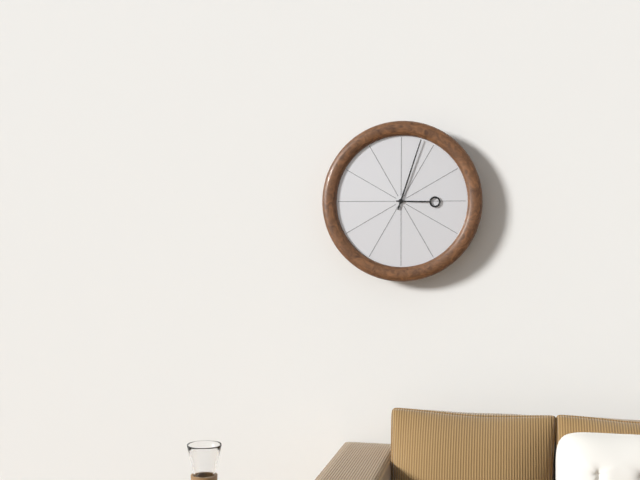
{"hour": 3, "minute": 3}
